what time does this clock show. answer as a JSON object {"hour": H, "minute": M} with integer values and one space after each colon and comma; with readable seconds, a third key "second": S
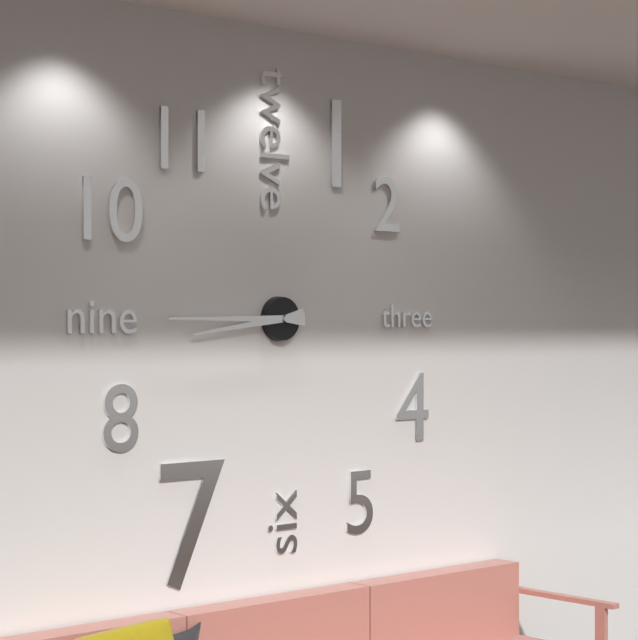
{"hour": 8, "minute": 45}
